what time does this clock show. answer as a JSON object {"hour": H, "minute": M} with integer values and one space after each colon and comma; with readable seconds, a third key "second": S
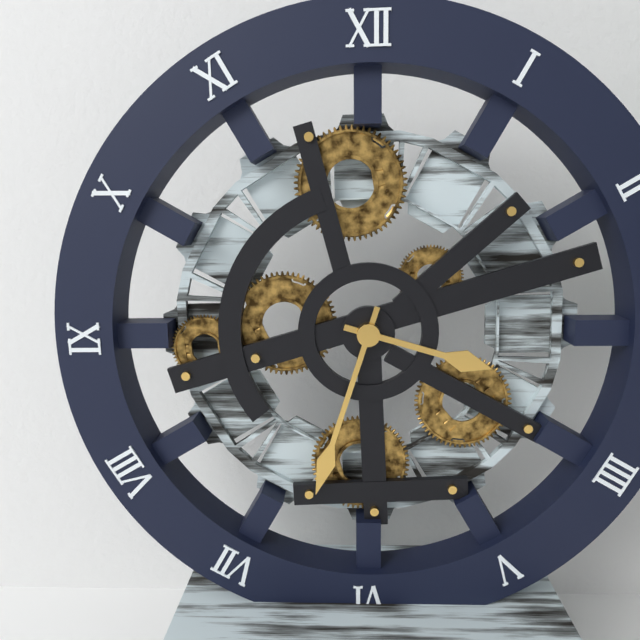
{"hour": 3, "minute": 33}
